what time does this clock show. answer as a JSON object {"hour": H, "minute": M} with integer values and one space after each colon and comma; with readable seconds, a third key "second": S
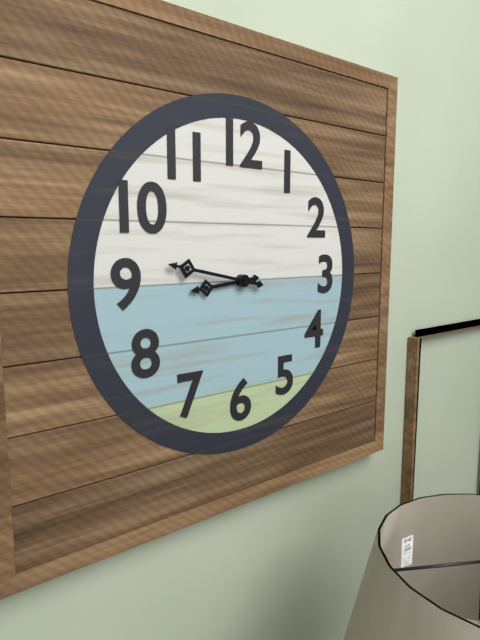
{"hour": 8, "minute": 47}
